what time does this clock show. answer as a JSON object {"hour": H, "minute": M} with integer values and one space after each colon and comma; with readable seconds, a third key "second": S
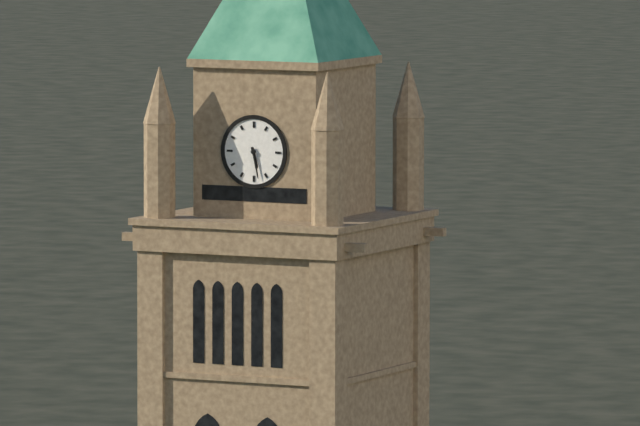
{"hour": 5, "minute": 28}
